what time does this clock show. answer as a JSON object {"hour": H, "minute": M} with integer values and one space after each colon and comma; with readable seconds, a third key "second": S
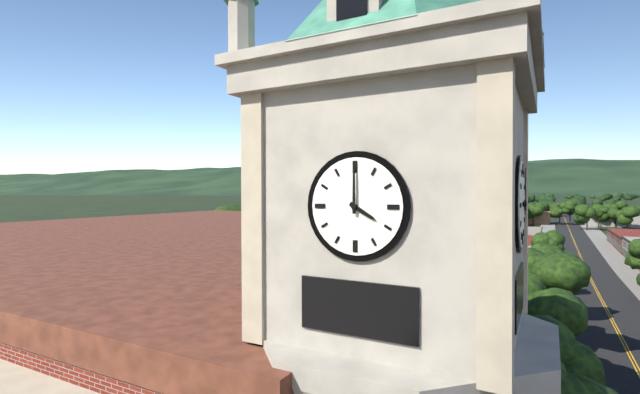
{"hour": 4, "minute": 0}
